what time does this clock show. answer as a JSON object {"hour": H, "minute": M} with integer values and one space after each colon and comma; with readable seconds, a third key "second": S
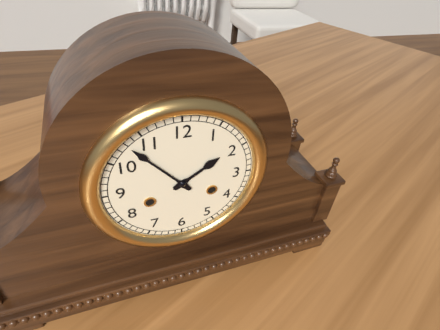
{"hour": 1, "minute": 53}
